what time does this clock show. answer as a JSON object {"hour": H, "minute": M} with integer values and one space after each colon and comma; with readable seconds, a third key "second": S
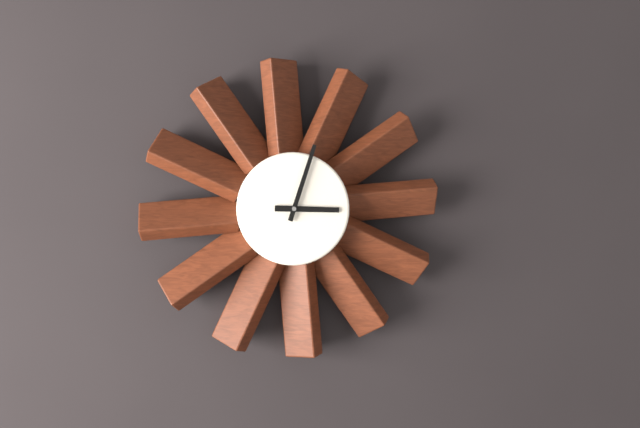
{"hour": 3, "minute": 3}
